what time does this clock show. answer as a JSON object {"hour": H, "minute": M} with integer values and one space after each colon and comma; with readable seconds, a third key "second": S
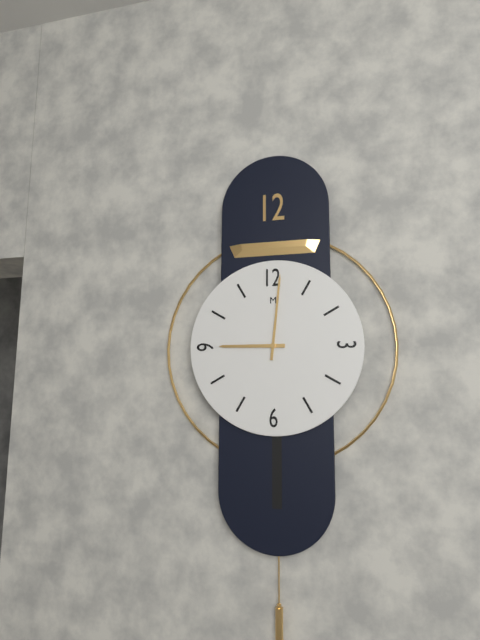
{"hour": 9, "minute": 1}
